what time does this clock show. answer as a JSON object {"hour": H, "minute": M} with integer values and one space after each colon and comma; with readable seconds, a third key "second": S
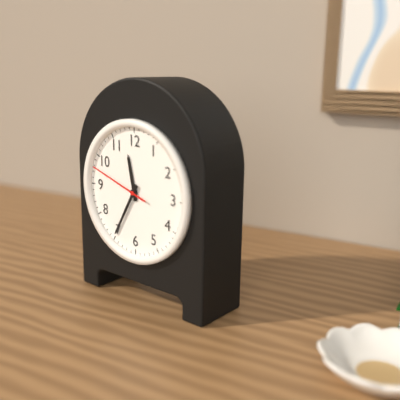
{"hour": 11, "minute": 35, "second": 48}
